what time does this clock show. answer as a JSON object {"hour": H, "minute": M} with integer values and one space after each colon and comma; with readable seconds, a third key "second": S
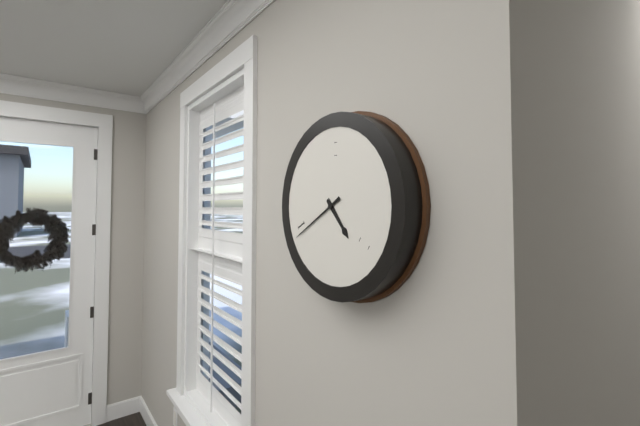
{"hour": 4, "minute": 40}
